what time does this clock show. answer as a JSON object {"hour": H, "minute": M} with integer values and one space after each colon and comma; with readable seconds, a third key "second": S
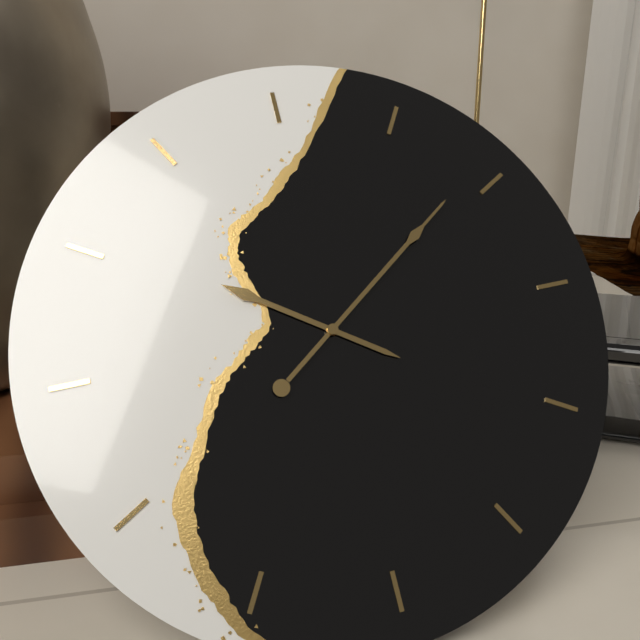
{"hour": 10, "minute": 9}
